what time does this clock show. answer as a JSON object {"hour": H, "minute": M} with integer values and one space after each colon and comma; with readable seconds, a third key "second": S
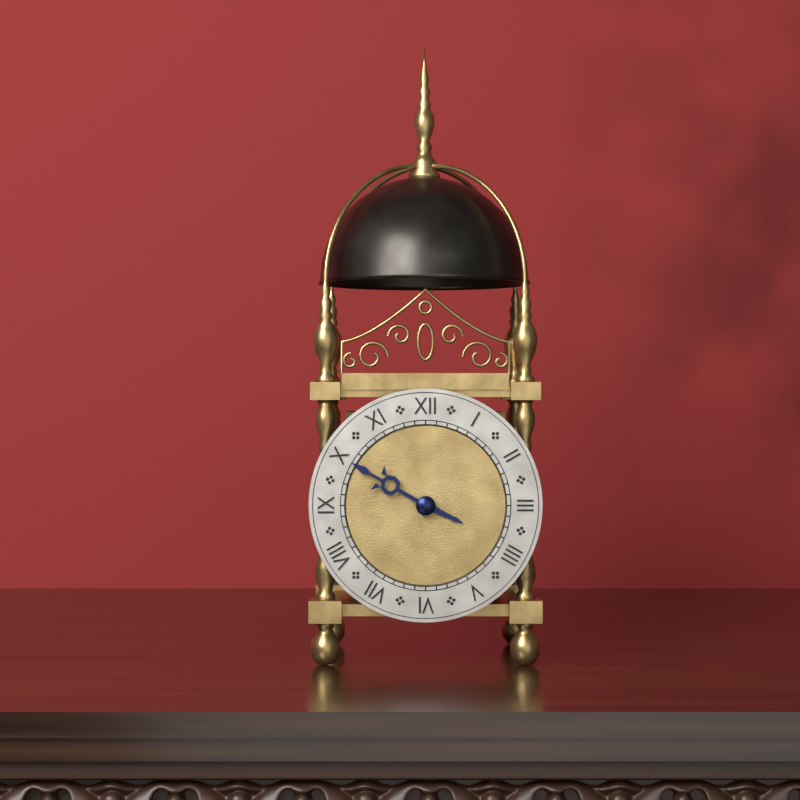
{"hour": 3, "minute": 50}
